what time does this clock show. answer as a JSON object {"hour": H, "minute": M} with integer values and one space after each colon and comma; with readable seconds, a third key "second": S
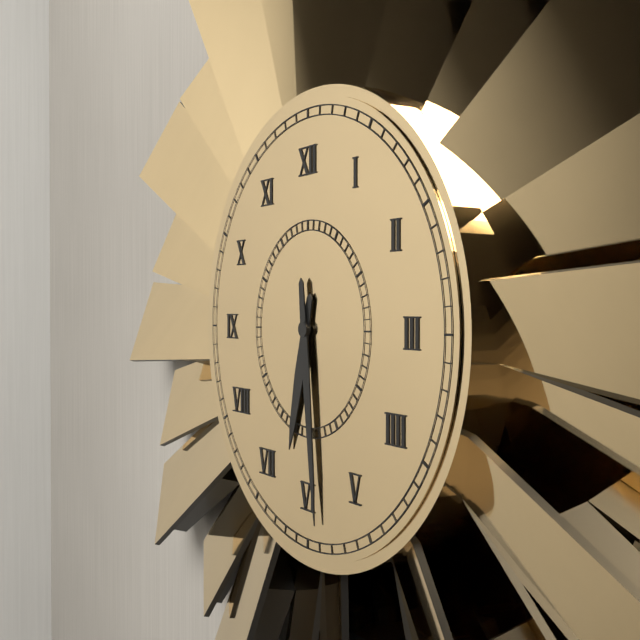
{"hour": 6, "minute": 29}
